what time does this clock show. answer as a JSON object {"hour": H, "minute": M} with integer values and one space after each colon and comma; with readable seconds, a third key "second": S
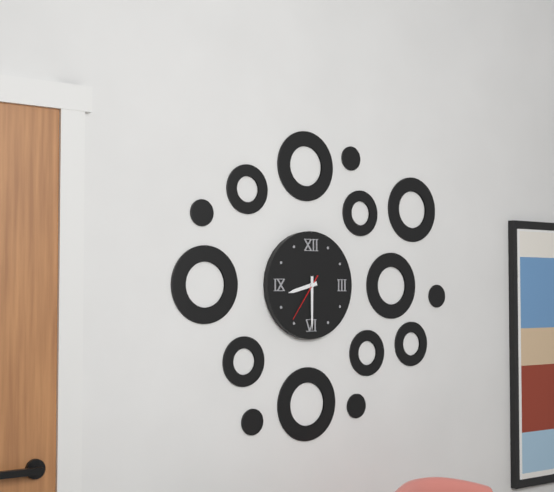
{"hour": 8, "minute": 30}
